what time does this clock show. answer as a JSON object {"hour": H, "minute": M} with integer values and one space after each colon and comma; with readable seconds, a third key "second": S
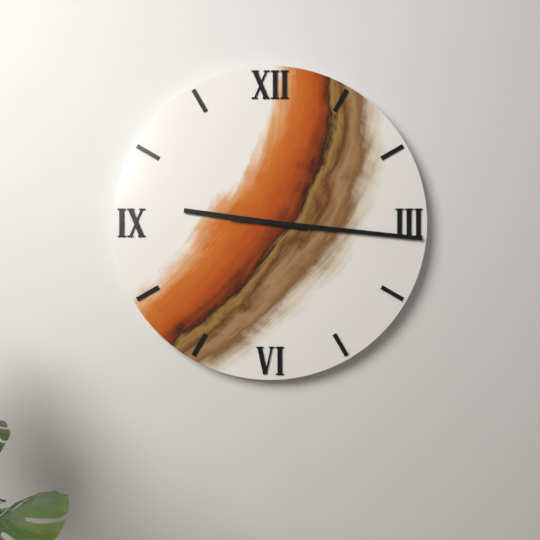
{"hour": 9, "minute": 16}
